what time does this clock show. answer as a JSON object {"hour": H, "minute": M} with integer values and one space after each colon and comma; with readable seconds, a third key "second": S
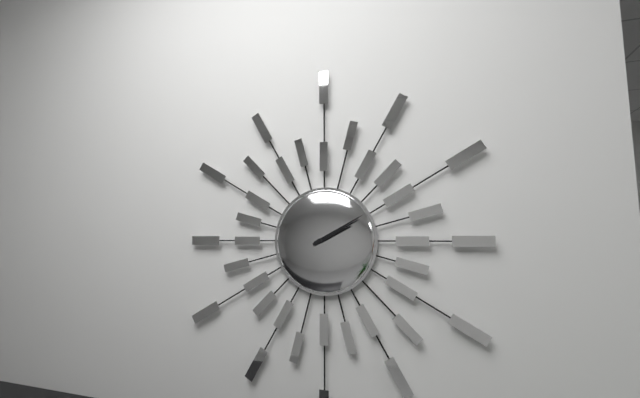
{"hour": 2, "minute": 10}
